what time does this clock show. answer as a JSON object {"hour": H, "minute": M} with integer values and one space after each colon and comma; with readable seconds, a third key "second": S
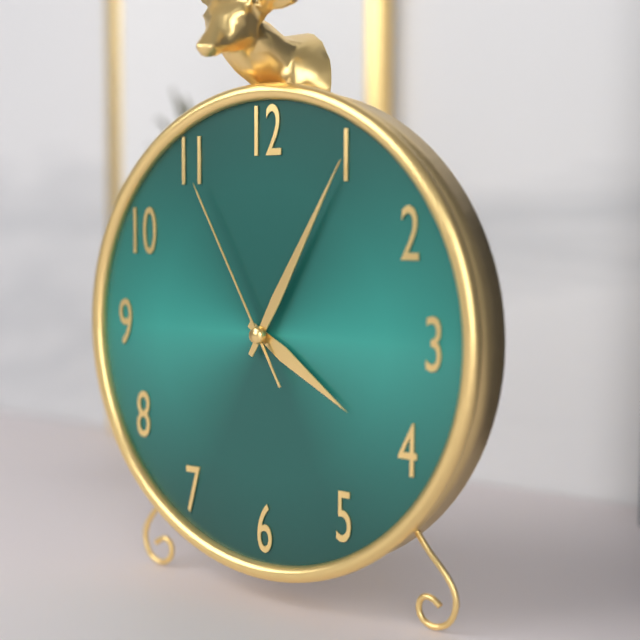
{"hour": 4, "minute": 5, "second": 55}
